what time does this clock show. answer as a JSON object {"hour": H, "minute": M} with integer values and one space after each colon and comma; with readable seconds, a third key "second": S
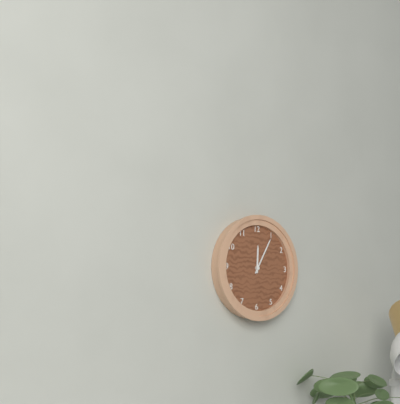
{"hour": 12, "minute": 5}
